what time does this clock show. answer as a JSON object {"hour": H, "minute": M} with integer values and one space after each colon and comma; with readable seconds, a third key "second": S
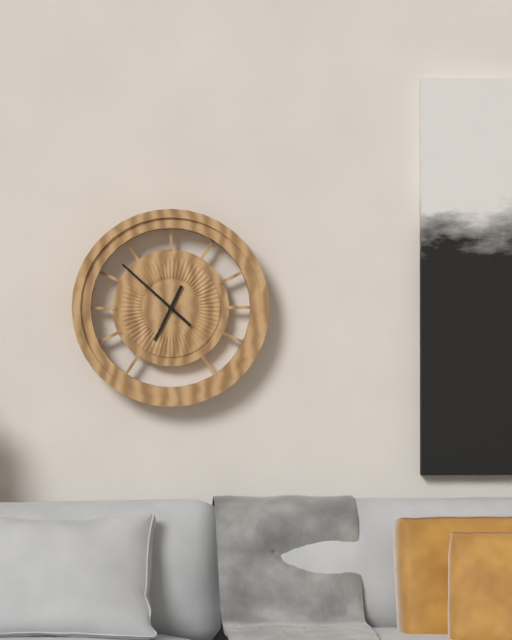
{"hour": 6, "minute": 52}
